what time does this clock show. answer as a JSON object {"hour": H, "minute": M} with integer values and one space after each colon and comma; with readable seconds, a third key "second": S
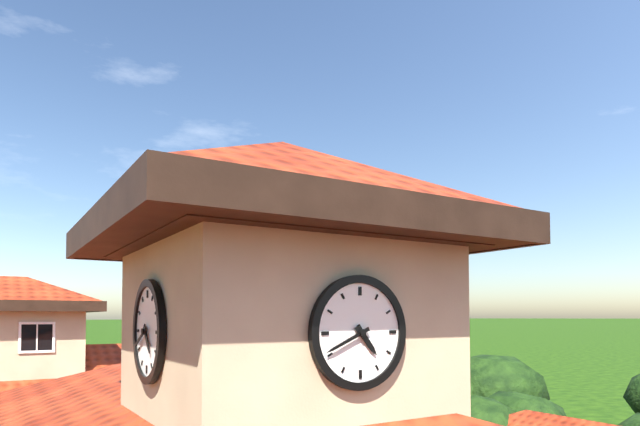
{"hour": 4, "minute": 41}
